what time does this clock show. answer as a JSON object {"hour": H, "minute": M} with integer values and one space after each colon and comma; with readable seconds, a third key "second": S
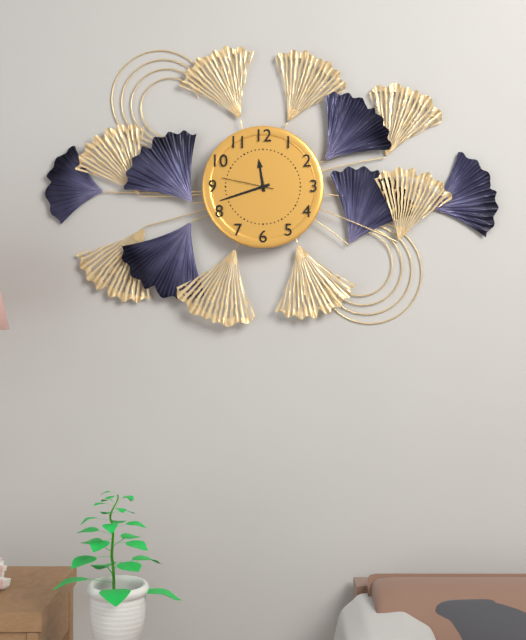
{"hour": 11, "minute": 42, "second": 47}
